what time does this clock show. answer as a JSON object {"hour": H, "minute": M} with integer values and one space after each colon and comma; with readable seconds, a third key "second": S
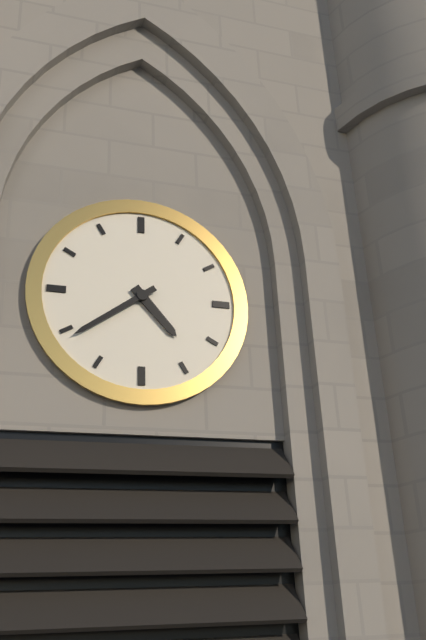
{"hour": 4, "minute": 39}
